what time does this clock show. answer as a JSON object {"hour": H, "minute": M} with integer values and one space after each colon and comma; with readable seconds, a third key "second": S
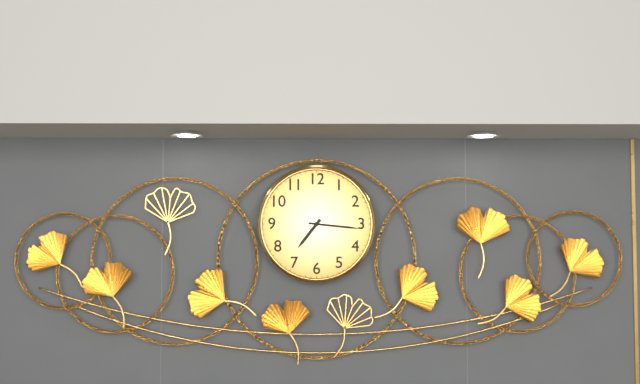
{"hour": 7, "minute": 16}
